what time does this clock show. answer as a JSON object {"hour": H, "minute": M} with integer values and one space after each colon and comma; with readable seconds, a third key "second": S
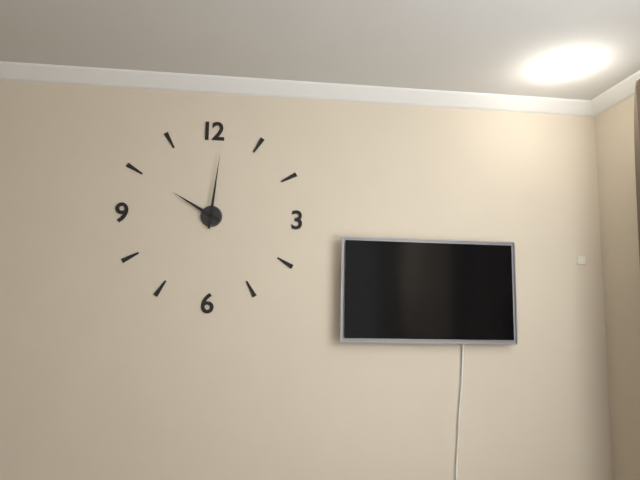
{"hour": 10, "minute": 1}
